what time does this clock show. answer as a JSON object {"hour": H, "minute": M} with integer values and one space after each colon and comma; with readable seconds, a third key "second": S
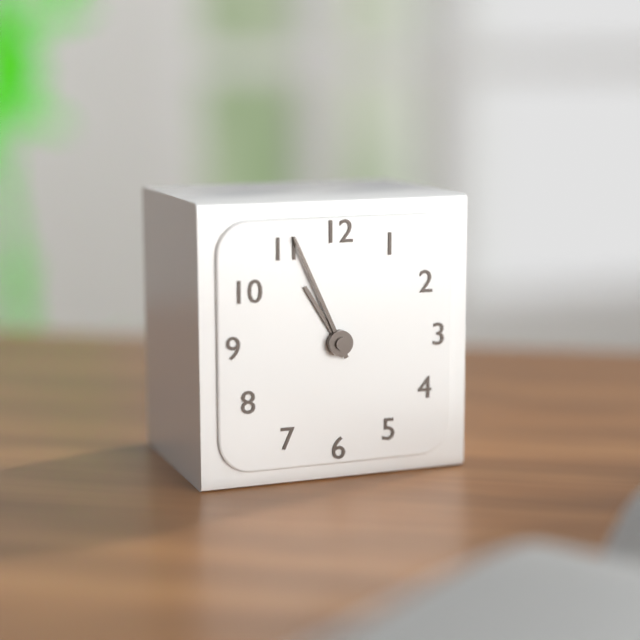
{"hour": 10, "minute": 56}
